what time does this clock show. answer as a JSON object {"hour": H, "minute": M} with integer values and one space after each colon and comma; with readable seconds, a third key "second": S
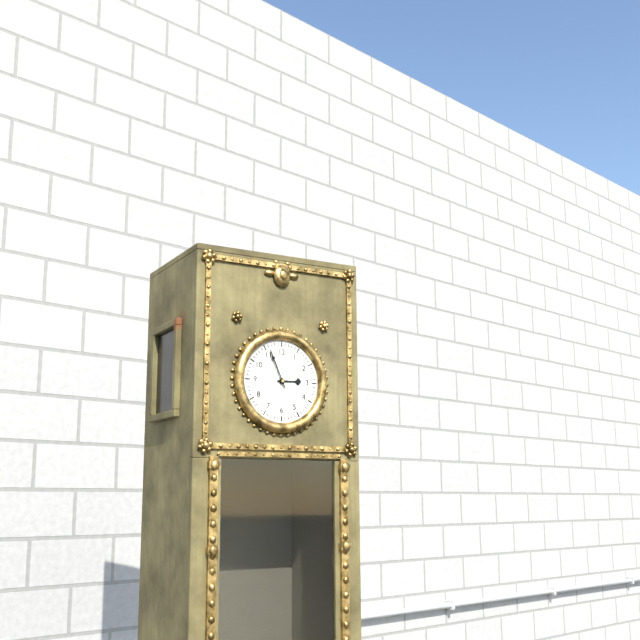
{"hour": 2, "minute": 56}
